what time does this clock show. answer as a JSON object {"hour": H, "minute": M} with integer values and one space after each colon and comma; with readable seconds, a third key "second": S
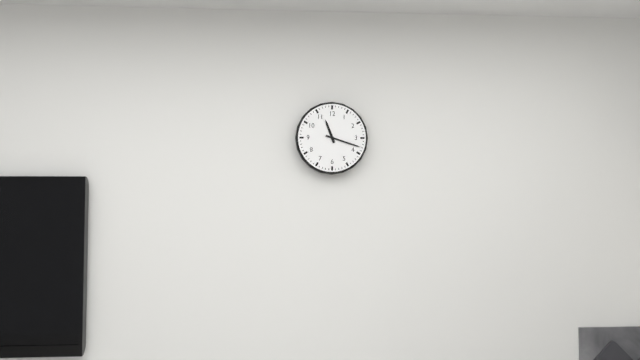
{"hour": 11, "minute": 18}
